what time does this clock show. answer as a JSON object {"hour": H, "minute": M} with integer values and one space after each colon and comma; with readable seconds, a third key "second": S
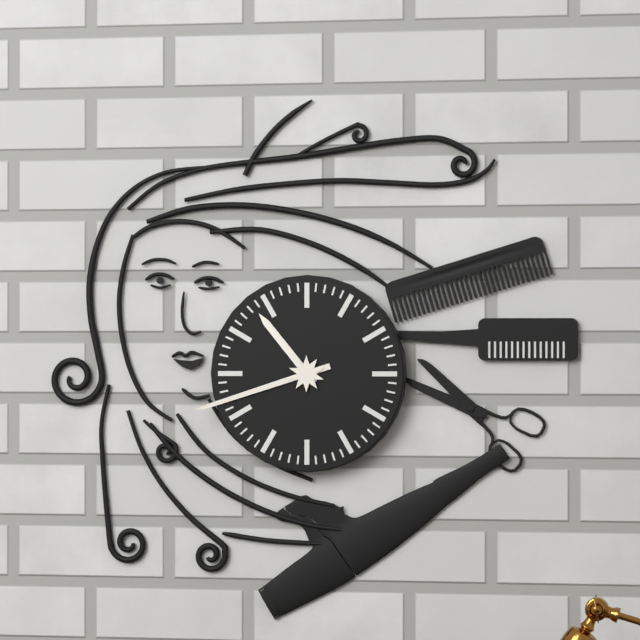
{"hour": 10, "minute": 42}
